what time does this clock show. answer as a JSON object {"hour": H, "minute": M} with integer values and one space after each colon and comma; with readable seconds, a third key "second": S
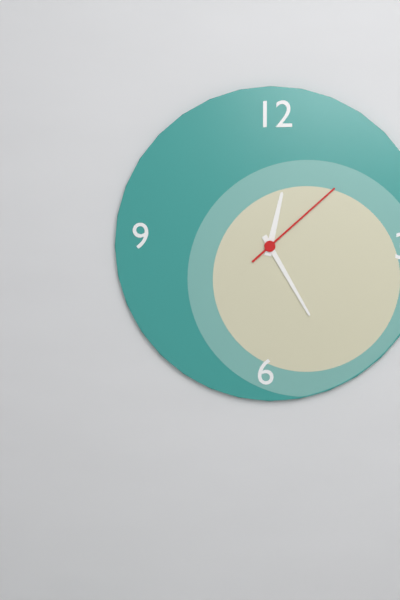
{"hour": 12, "minute": 25, "second": 8}
